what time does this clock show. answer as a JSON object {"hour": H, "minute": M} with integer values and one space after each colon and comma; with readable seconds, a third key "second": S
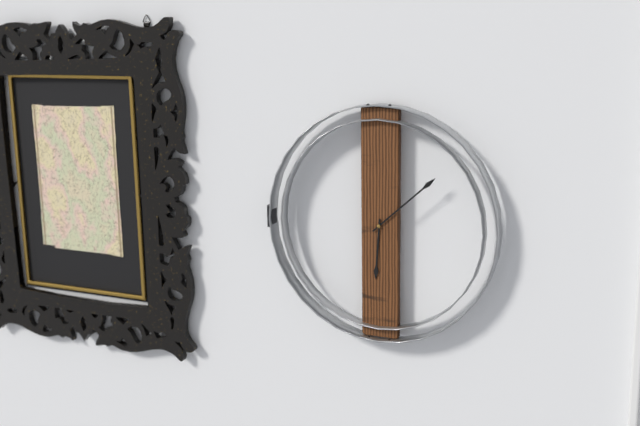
{"hour": 6, "minute": 8}
